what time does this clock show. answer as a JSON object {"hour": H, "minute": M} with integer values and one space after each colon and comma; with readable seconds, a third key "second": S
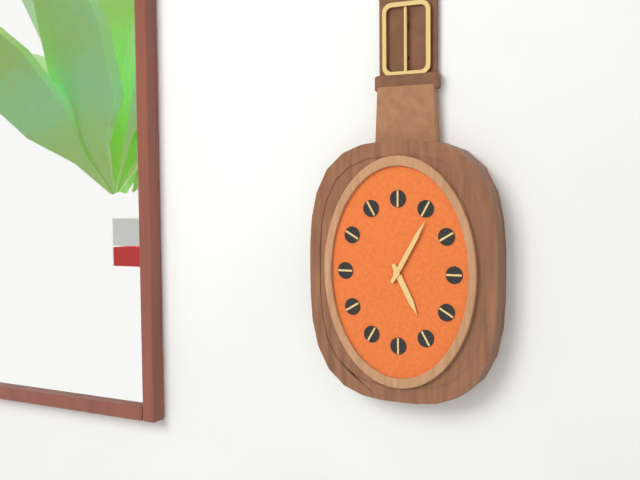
{"hour": 5, "minute": 5}
